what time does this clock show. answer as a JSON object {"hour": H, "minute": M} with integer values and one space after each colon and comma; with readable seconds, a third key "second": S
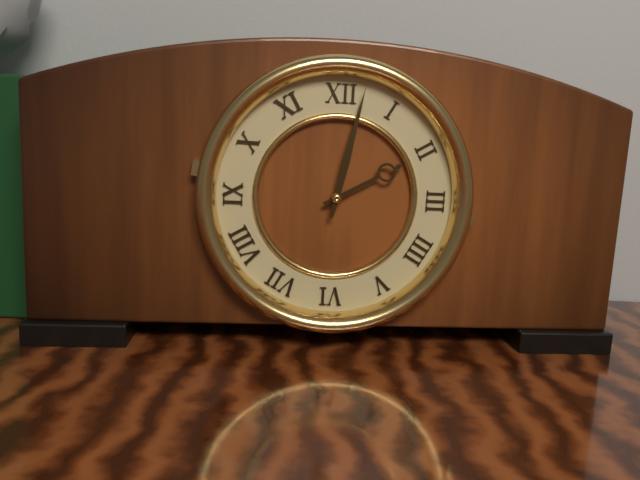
{"hour": 2, "minute": 2}
